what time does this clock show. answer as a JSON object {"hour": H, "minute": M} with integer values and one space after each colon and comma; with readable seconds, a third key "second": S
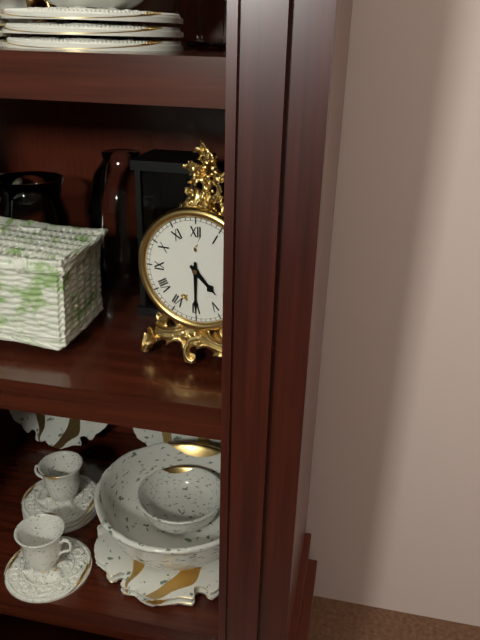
{"hour": 4, "minute": 30}
